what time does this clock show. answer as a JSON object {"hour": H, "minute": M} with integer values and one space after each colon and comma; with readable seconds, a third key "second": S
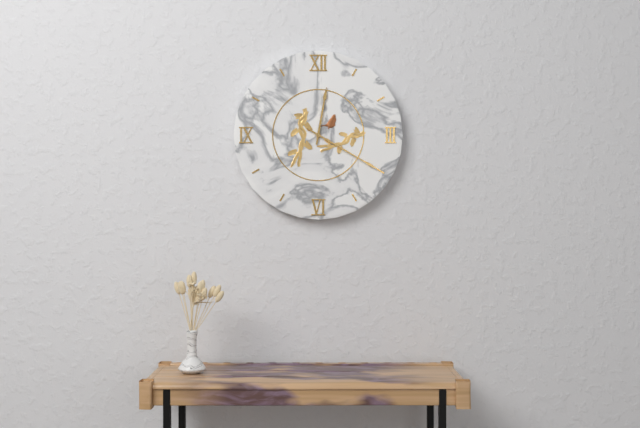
{"hour": 12, "minute": 20}
